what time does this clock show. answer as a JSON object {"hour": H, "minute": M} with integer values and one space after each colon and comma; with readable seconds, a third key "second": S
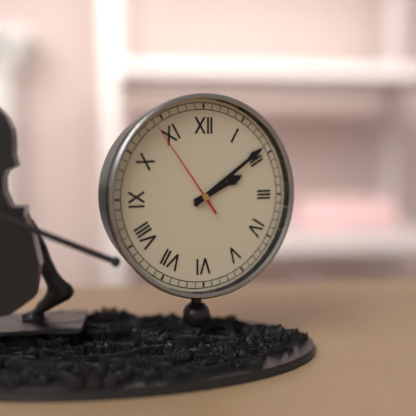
{"hour": 2, "minute": 9, "second": 54}
